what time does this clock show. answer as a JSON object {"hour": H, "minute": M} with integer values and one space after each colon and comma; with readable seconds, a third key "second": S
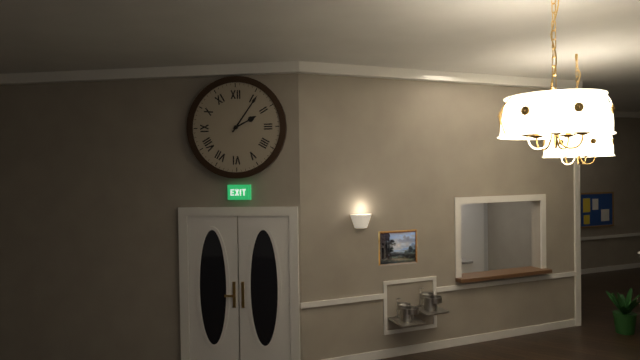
{"hour": 2, "minute": 6}
